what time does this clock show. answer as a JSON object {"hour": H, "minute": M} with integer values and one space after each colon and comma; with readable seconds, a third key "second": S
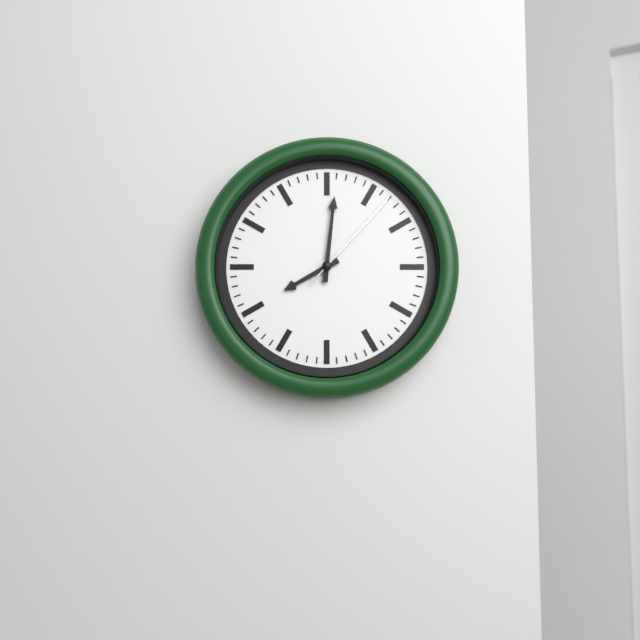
{"hour": 8, "minute": 1, "second": 7}
